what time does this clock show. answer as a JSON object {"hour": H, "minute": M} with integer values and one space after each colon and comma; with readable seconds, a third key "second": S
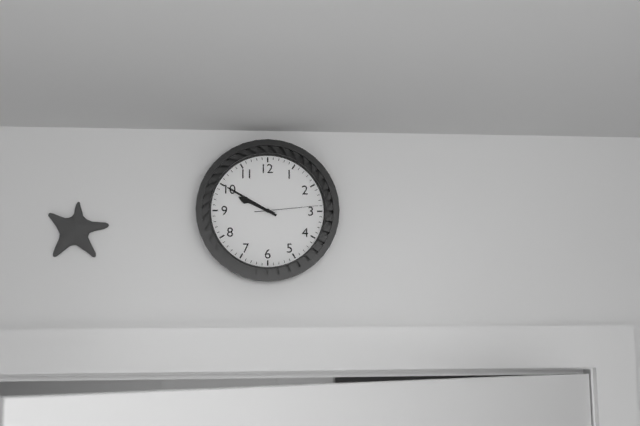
{"hour": 9, "minute": 50, "second": 14}
